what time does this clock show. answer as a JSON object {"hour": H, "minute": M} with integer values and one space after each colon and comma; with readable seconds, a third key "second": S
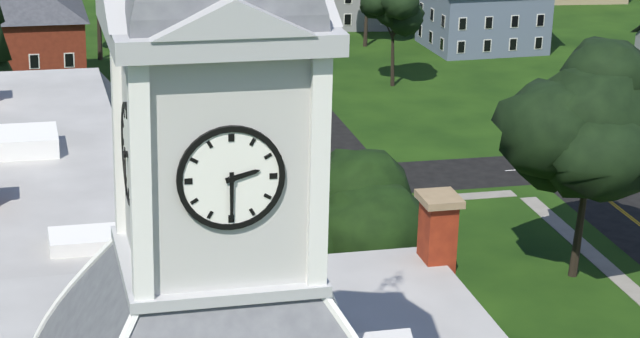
{"hour": 2, "minute": 30}
